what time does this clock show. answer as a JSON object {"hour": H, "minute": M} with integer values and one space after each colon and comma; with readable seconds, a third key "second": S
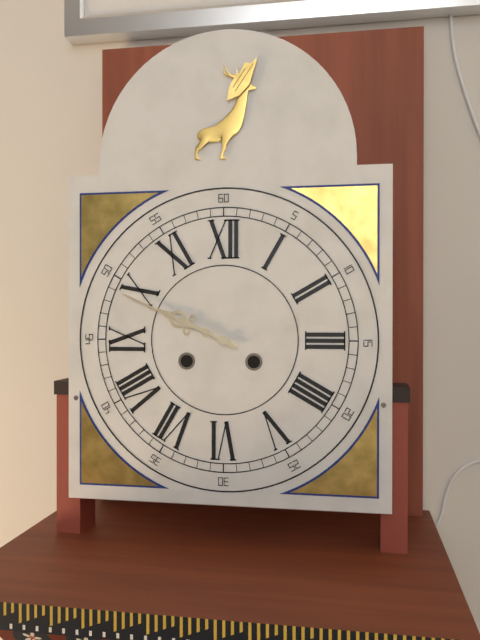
{"hour": 9, "minute": 49}
